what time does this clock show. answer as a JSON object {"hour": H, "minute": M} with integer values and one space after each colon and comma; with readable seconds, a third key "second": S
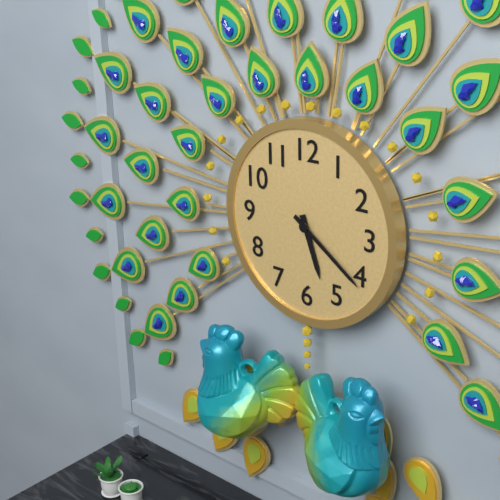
{"hour": 5, "minute": 21}
